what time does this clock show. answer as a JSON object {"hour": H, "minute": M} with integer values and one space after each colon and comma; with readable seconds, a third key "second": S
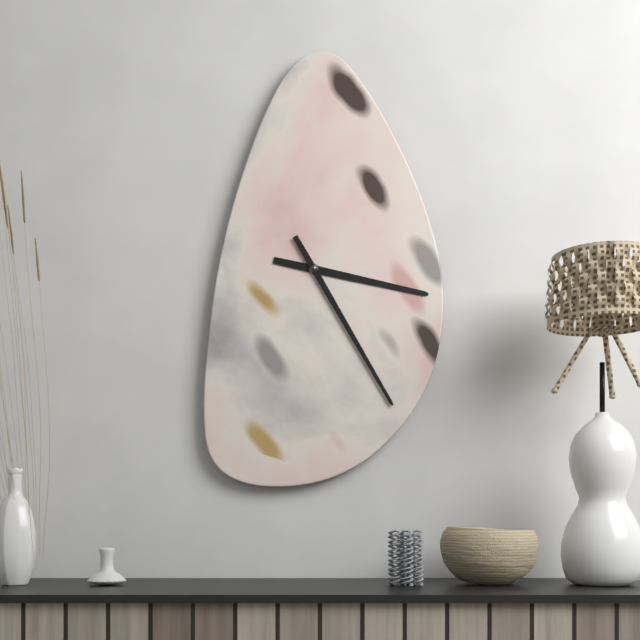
{"hour": 3, "minute": 25}
